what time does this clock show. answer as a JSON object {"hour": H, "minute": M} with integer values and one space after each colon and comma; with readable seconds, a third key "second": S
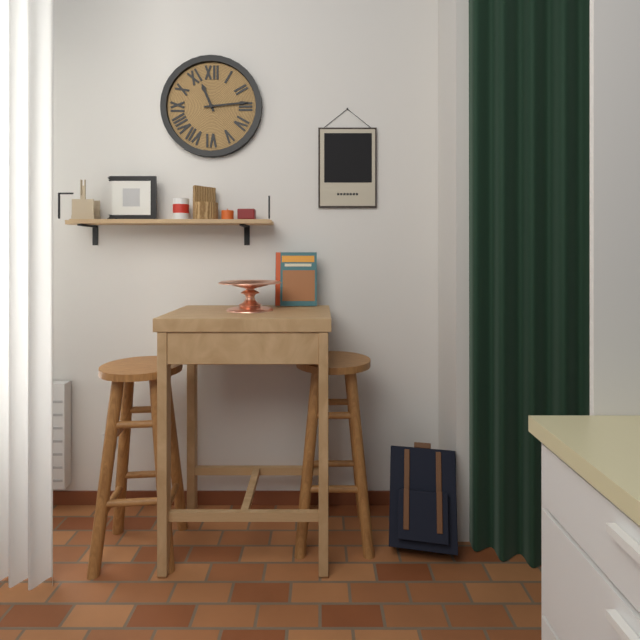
{"hour": 11, "minute": 14}
